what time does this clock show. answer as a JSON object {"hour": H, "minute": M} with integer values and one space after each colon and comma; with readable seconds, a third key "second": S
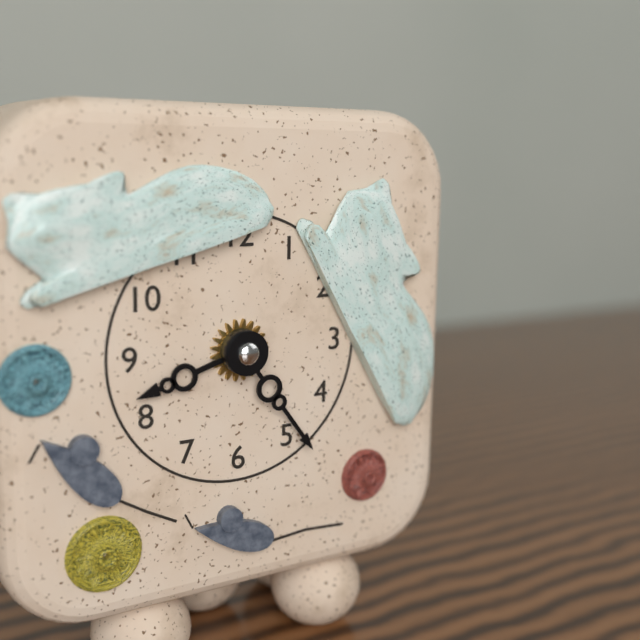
{"hour": 8, "minute": 24}
